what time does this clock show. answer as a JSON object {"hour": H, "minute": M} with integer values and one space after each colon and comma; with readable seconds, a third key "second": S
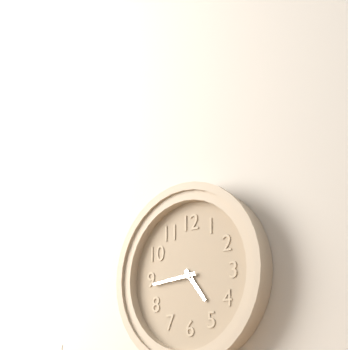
{"hour": 4, "minute": 44}
